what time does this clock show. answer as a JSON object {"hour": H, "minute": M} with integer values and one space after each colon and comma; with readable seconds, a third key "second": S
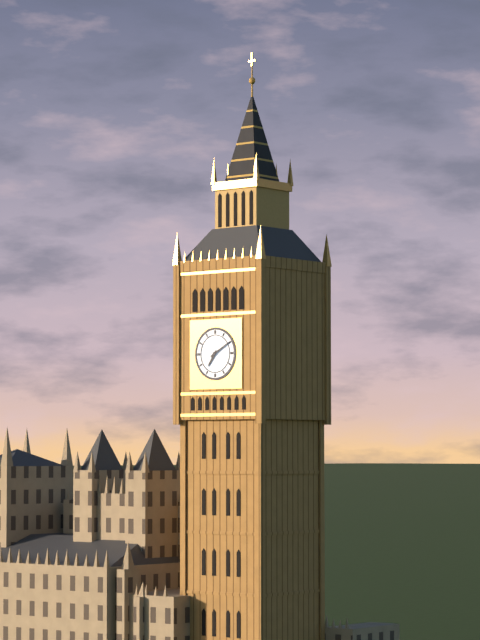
{"hour": 7, "minute": 10}
